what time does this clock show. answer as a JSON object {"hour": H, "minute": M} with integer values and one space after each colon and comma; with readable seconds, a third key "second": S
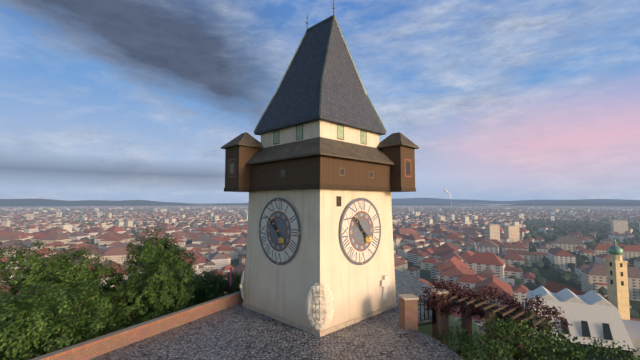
{"hour": 10, "minute": 52}
